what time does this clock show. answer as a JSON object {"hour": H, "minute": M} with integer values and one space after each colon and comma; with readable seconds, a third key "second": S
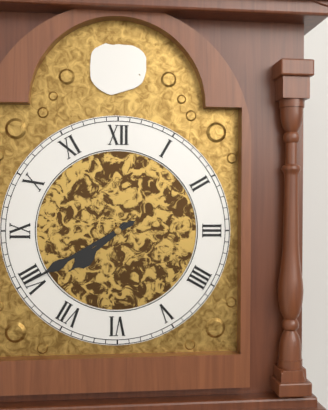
{"hour": 7, "minute": 40}
